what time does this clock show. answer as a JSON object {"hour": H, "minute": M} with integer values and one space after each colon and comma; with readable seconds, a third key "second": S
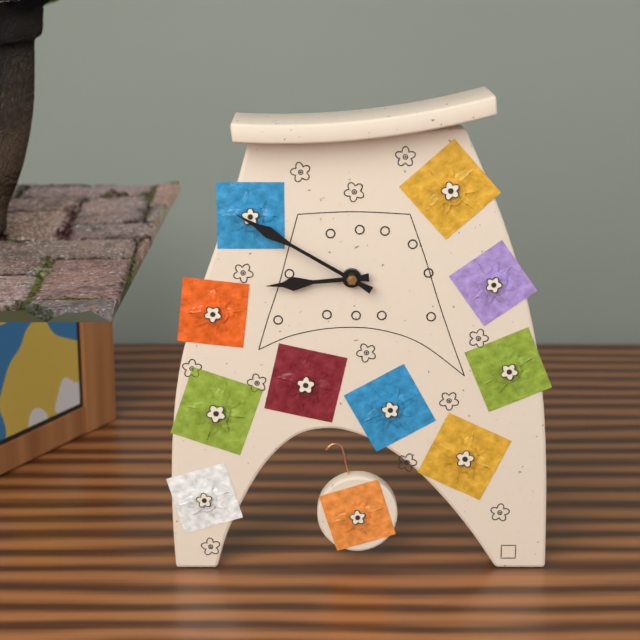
{"hour": 8, "minute": 50}
